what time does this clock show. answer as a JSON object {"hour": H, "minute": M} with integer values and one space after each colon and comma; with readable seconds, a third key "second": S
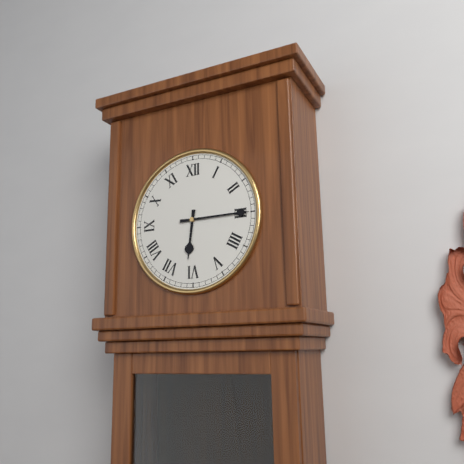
{"hour": 6, "minute": 15}
